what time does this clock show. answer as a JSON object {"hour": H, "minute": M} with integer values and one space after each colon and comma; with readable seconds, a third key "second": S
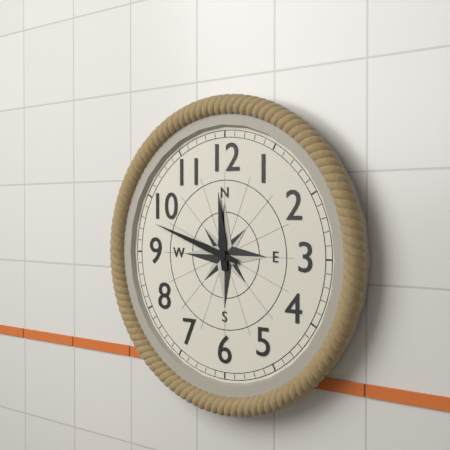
{"hour": 11, "minute": 48}
